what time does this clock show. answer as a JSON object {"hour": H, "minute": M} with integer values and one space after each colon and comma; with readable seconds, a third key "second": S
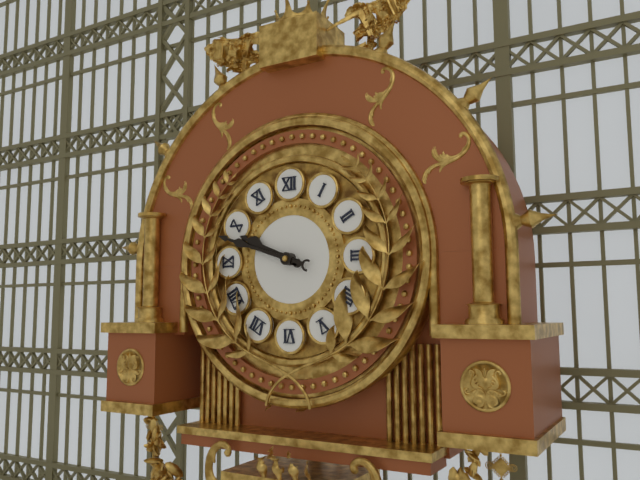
{"hour": 9, "minute": 48}
